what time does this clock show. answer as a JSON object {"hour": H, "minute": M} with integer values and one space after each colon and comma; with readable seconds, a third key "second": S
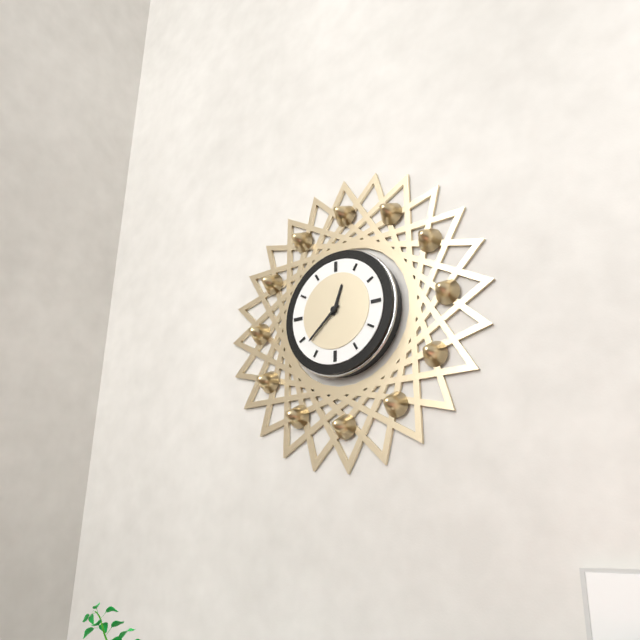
{"hour": 12, "minute": 38}
